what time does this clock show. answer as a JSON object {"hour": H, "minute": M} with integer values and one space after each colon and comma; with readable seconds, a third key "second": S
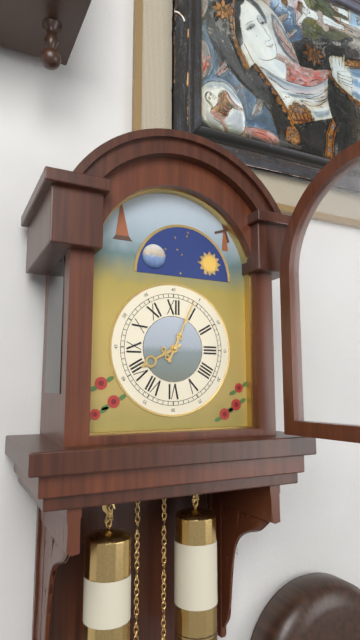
{"hour": 8, "minute": 4}
